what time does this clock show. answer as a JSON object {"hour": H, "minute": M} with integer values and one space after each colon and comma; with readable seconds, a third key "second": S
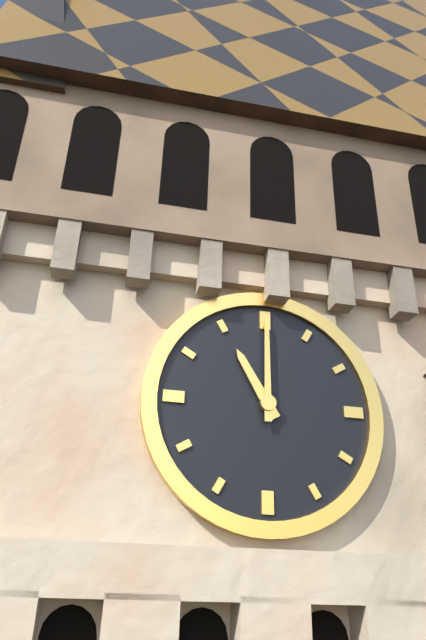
{"hour": 11, "minute": 0}
